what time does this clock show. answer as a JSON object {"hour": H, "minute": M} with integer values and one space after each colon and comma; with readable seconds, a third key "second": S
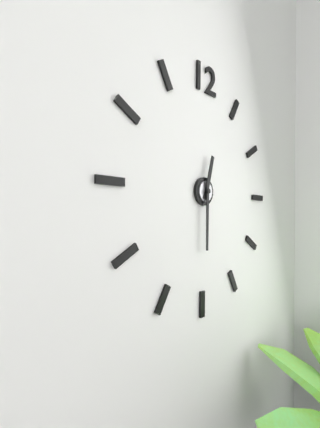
{"hour": 12, "minute": 30}
